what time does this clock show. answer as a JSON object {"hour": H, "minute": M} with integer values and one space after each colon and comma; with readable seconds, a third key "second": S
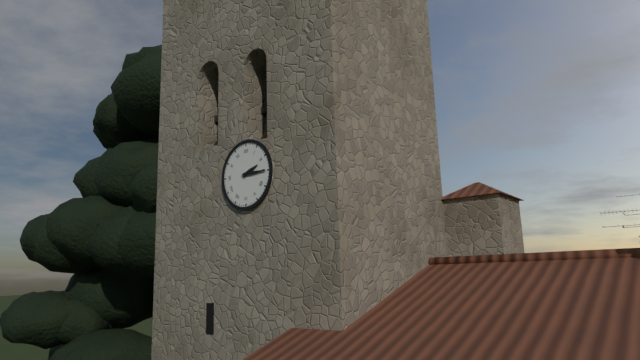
{"hour": 2, "minute": 15}
